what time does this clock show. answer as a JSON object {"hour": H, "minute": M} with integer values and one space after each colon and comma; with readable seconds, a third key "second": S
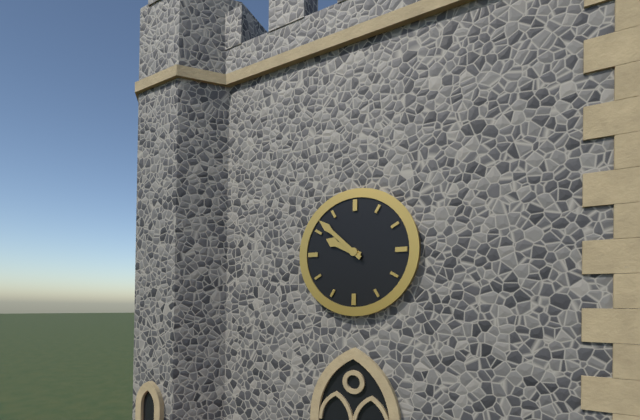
{"hour": 9, "minute": 52}
